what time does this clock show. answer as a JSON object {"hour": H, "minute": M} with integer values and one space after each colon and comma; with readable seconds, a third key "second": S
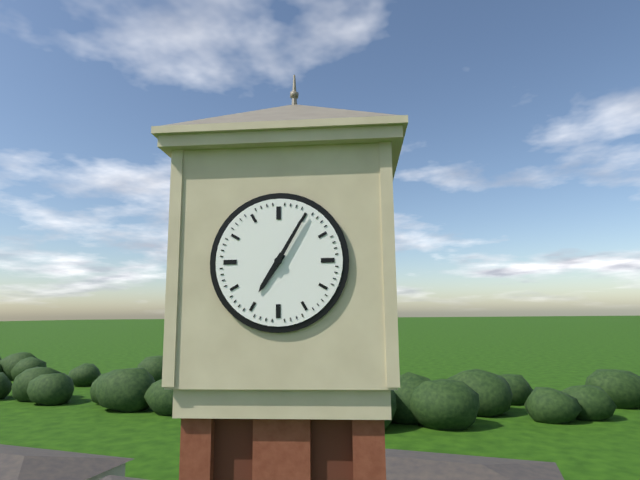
{"hour": 7, "minute": 5}
